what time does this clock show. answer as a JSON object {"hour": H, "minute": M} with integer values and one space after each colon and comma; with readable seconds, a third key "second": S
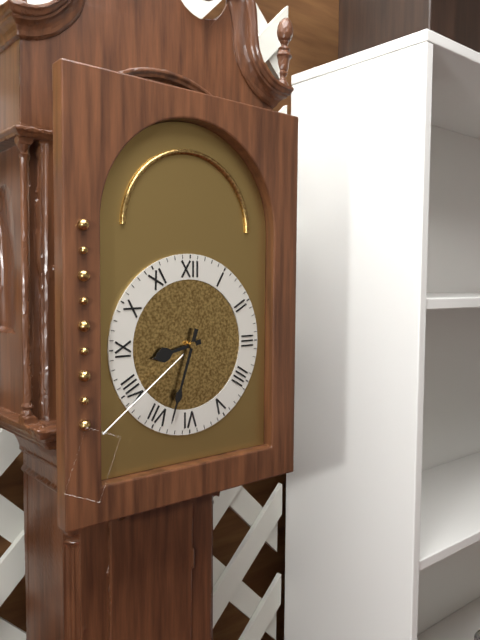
{"hour": 8, "minute": 33}
